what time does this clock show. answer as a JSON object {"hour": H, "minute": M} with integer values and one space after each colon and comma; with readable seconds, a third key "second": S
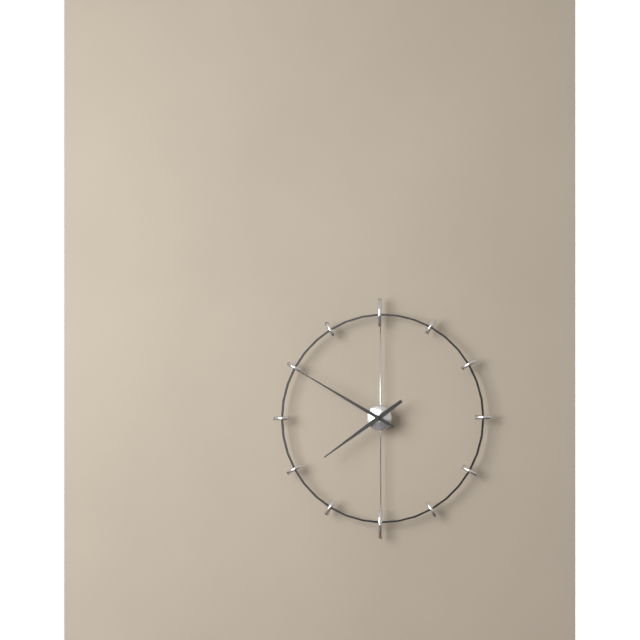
{"hour": 7, "minute": 50}
